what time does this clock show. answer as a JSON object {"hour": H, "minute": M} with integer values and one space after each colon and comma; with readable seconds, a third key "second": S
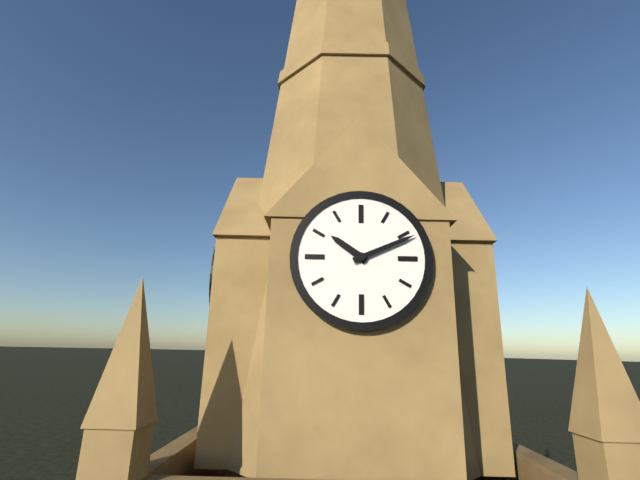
{"hour": 10, "minute": 11}
